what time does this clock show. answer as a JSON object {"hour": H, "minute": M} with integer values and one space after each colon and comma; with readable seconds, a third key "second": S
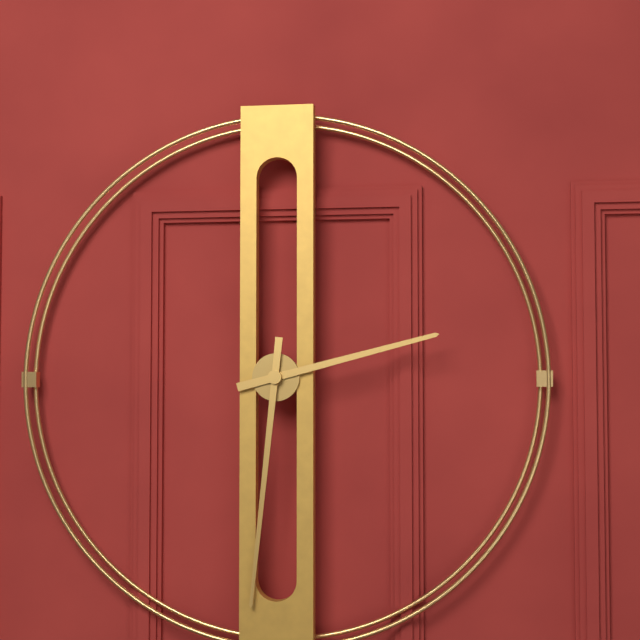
{"hour": 2, "minute": 31}
